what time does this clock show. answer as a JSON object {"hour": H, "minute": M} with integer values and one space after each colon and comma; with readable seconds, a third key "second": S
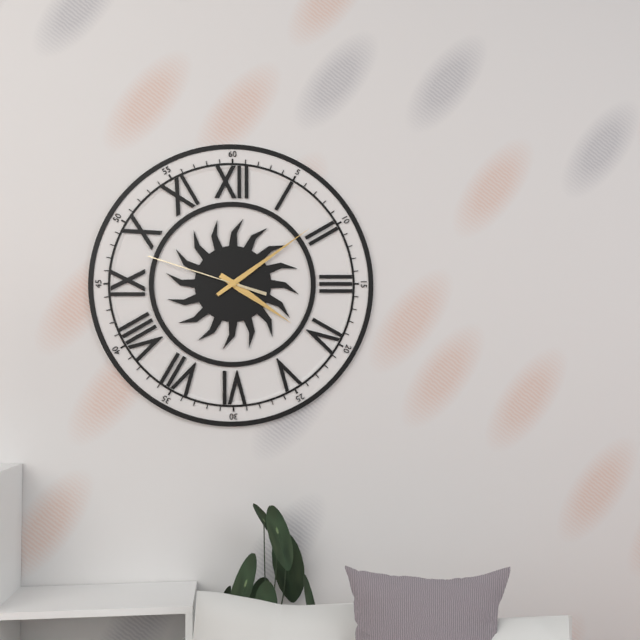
{"hour": 4, "minute": 9, "second": 48}
